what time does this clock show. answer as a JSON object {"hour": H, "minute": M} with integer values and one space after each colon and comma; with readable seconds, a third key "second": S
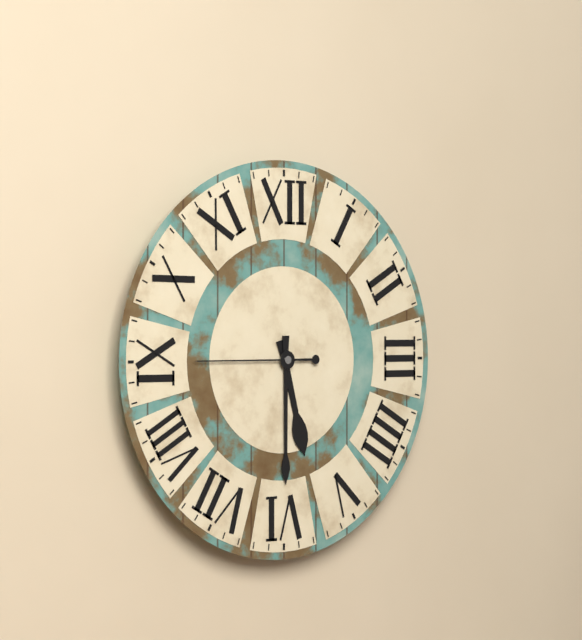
{"hour": 5, "minute": 30, "second": 45}
